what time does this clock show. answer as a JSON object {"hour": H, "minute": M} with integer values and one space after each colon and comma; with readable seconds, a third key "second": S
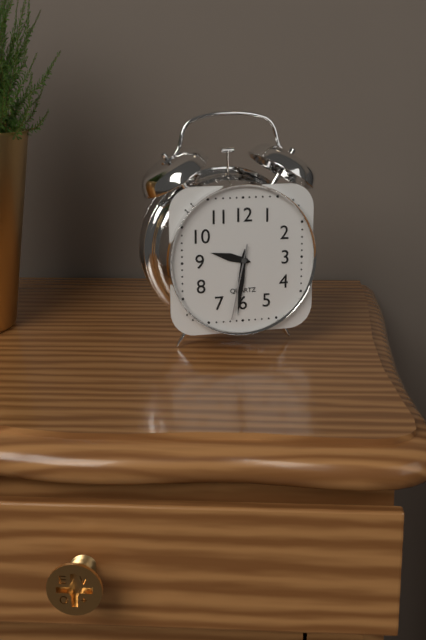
{"hour": 9, "minute": 31, "second": 32}
